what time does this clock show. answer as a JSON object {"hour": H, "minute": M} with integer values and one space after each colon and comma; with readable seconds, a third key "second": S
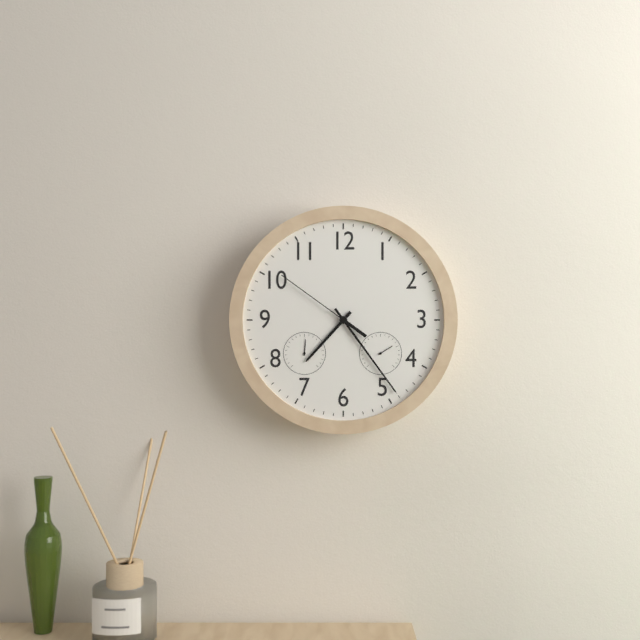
{"hour": 7, "minute": 24, "second": 51}
